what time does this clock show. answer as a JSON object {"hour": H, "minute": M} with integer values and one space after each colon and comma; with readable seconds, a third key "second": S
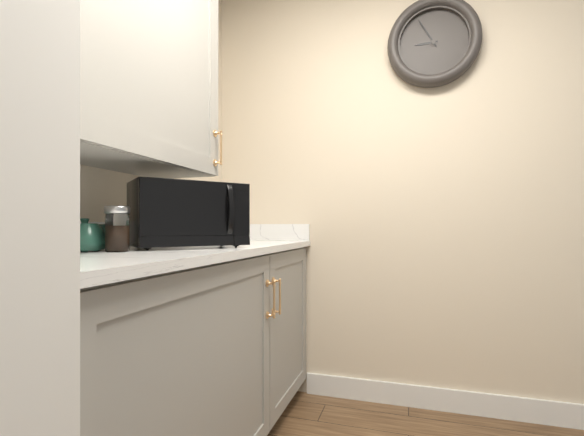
{"hour": 8, "minute": 55}
